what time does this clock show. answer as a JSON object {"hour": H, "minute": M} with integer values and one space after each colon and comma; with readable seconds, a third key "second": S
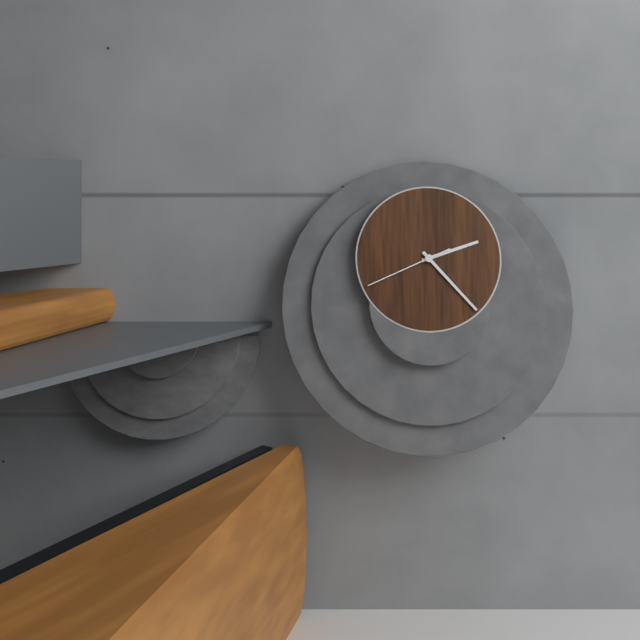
{"hour": 2, "minute": 23, "second": 41}
